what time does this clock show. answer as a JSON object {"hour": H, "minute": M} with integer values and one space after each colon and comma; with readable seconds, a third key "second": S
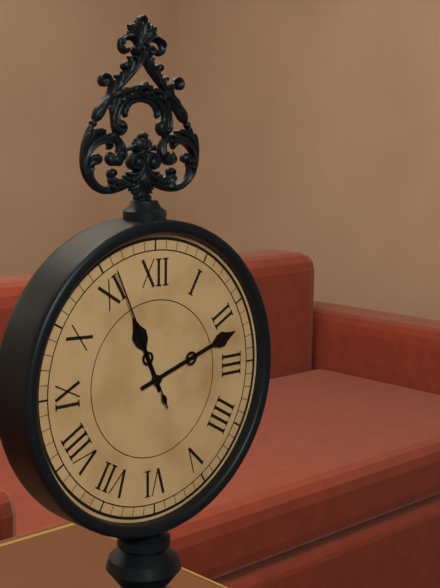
{"hour": 11, "minute": 12, "second": 56}
